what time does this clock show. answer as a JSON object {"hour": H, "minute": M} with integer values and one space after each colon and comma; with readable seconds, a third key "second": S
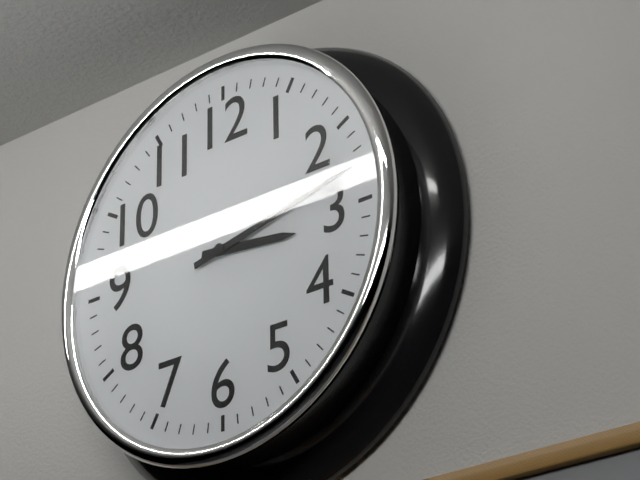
{"hour": 3, "minute": 13}
